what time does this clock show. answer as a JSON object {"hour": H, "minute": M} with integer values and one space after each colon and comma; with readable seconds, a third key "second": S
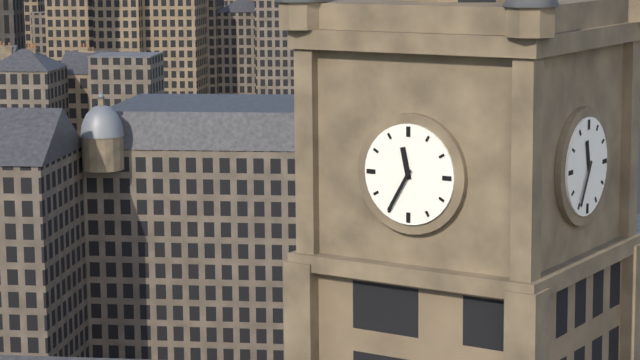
{"hour": 11, "minute": 35}
